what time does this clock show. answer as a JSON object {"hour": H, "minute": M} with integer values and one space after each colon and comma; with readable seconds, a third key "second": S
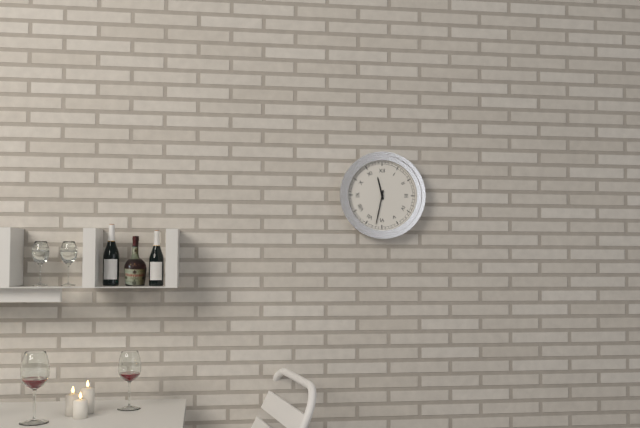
{"hour": 11, "minute": 32}
